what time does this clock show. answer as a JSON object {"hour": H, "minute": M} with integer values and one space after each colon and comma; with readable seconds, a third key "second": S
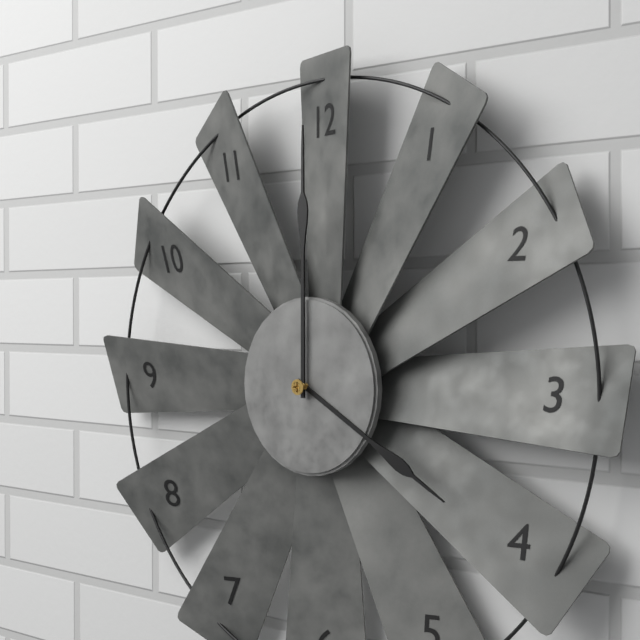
{"hour": 4, "minute": 0}
